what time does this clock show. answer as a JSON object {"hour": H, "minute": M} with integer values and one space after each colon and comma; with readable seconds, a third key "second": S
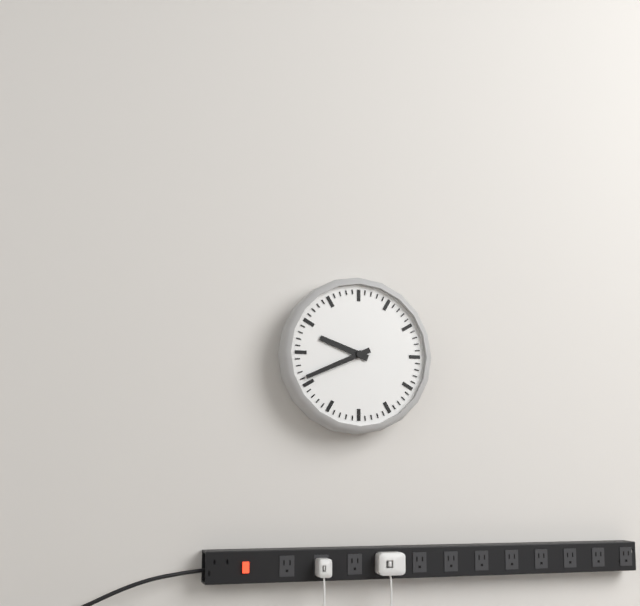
{"hour": 9, "minute": 41}
